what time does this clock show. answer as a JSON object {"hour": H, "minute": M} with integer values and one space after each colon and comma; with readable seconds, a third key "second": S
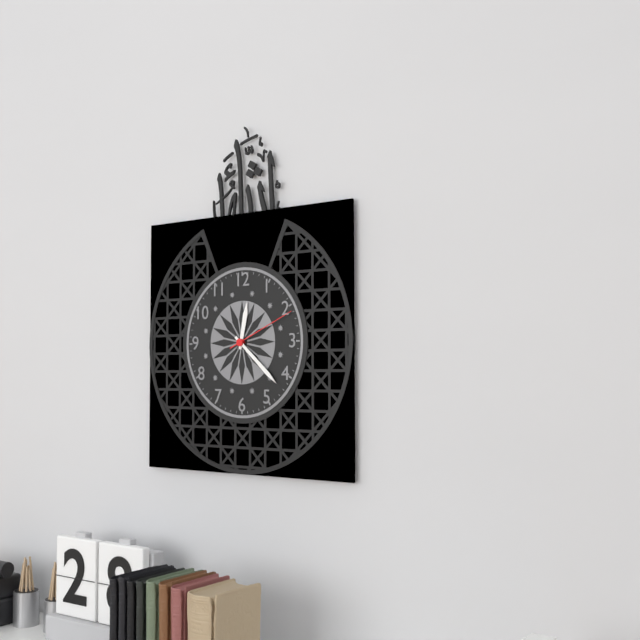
{"hour": 12, "minute": 22, "second": 11}
